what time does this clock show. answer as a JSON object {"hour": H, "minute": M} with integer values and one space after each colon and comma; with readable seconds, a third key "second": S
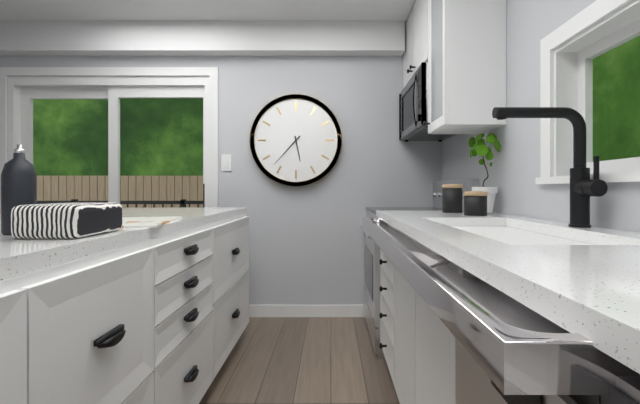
{"hour": 5, "minute": 37}
